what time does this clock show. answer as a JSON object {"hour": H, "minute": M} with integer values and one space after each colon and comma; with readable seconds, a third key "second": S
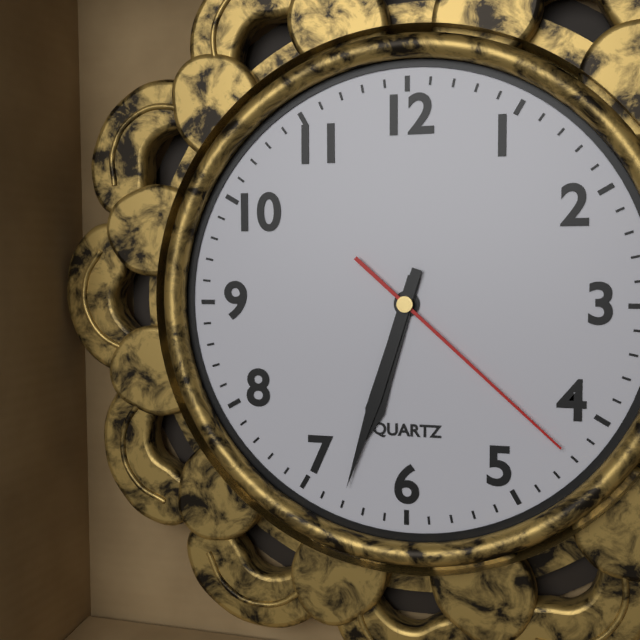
{"hour": 6, "minute": 33, "second": 22}
